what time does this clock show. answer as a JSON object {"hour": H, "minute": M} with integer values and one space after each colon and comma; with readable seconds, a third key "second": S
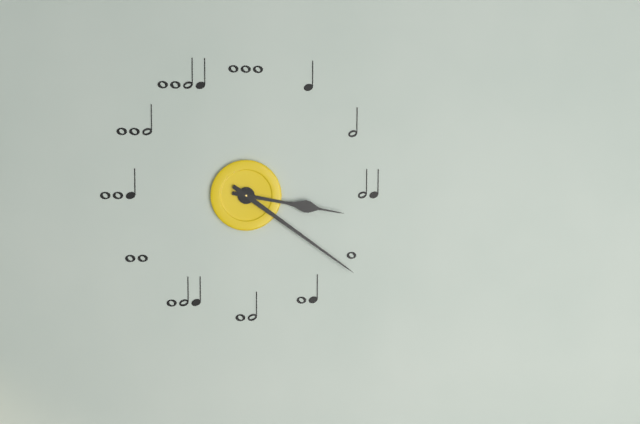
{"hour": 3, "minute": 21}
